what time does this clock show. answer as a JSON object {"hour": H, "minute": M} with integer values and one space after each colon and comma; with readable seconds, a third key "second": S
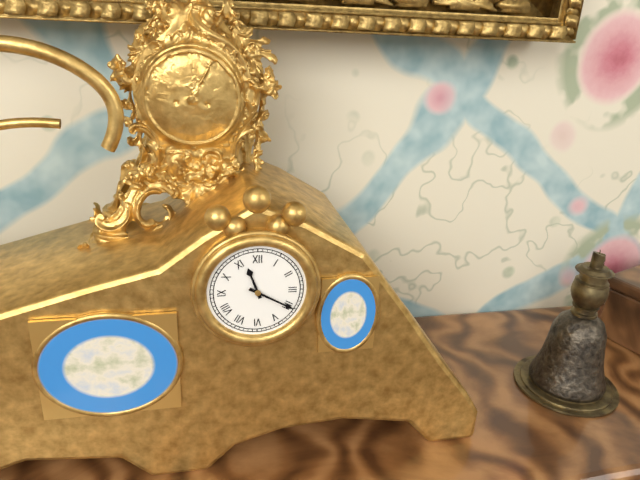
{"hour": 11, "minute": 20}
